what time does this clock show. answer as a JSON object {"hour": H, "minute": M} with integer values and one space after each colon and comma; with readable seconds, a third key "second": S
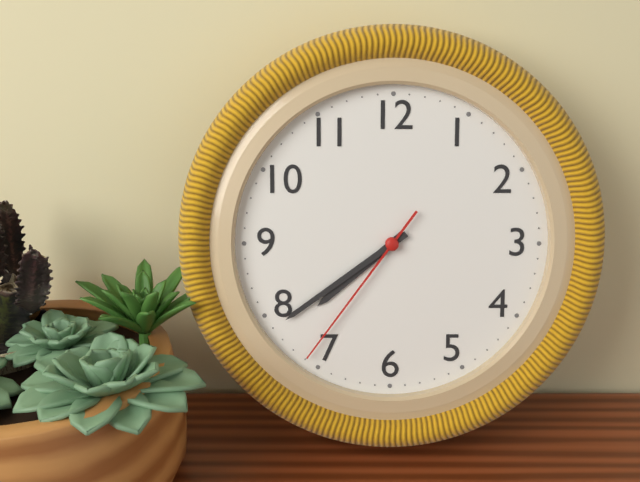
{"hour": 7, "minute": 39, "second": 36}
